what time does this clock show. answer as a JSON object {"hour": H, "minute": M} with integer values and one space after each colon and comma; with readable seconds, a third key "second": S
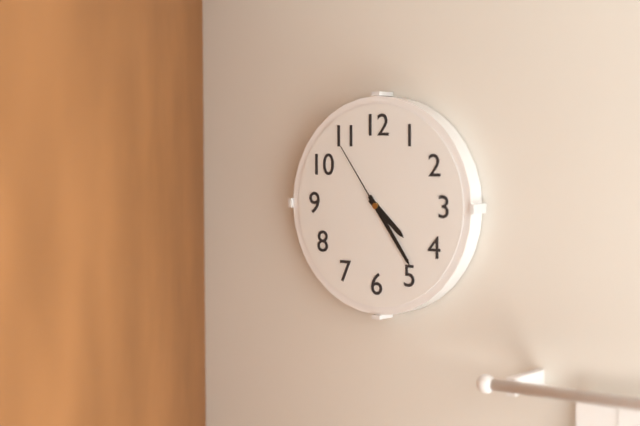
{"hour": 4, "minute": 24, "second": 54}
